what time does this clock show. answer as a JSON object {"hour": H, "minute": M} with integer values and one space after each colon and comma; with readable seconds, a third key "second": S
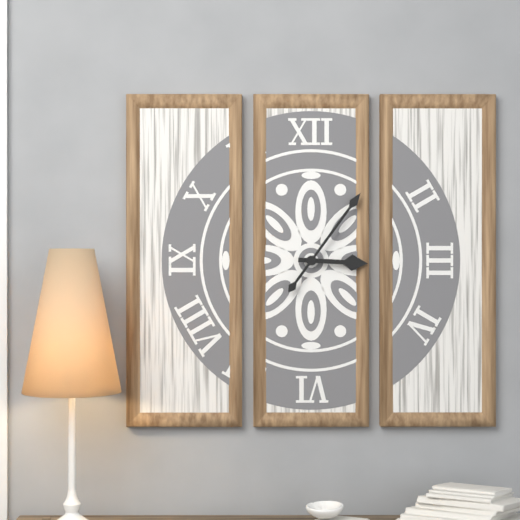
{"hour": 3, "minute": 6}
